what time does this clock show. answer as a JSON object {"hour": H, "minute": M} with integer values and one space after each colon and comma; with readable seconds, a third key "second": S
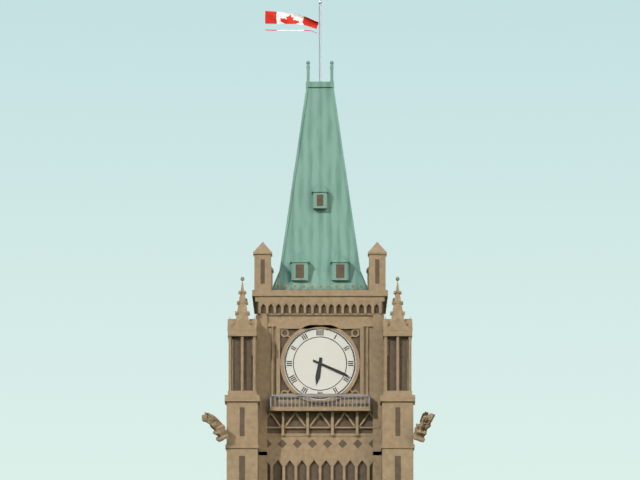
{"hour": 6, "minute": 19}
